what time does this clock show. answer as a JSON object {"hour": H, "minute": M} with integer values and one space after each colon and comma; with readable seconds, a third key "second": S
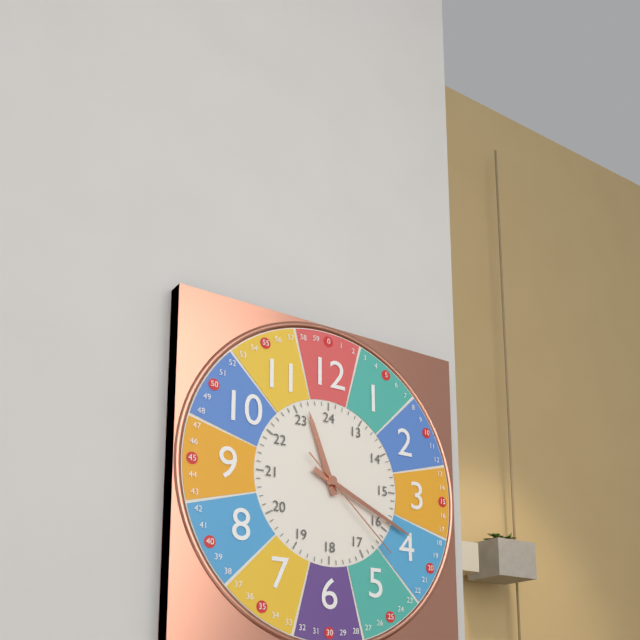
{"hour": 11, "minute": 19, "second": 22}
